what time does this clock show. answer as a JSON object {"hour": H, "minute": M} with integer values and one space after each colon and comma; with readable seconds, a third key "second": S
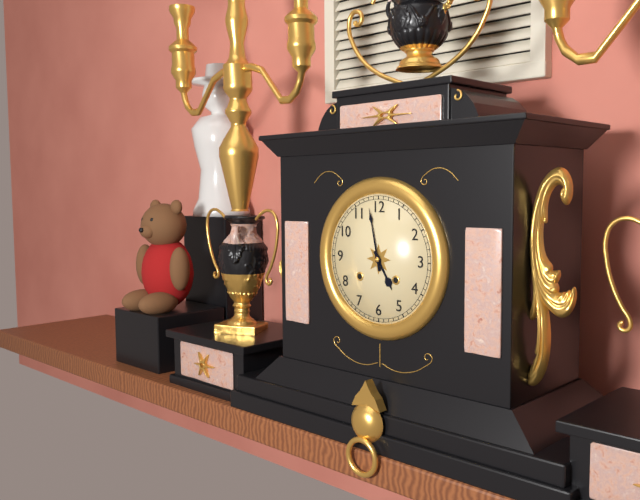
{"hour": 4, "minute": 58}
